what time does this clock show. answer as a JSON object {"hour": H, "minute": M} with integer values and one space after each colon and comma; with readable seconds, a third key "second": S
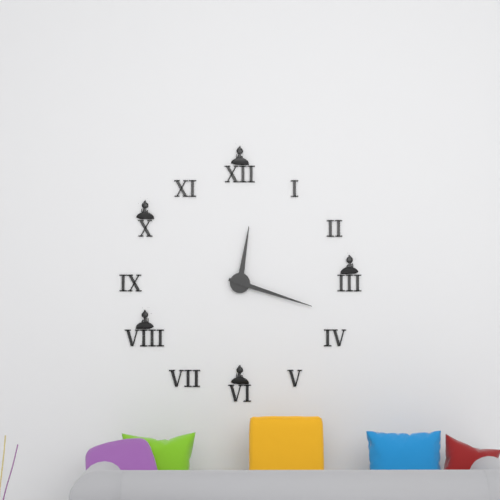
{"hour": 12, "minute": 18}
